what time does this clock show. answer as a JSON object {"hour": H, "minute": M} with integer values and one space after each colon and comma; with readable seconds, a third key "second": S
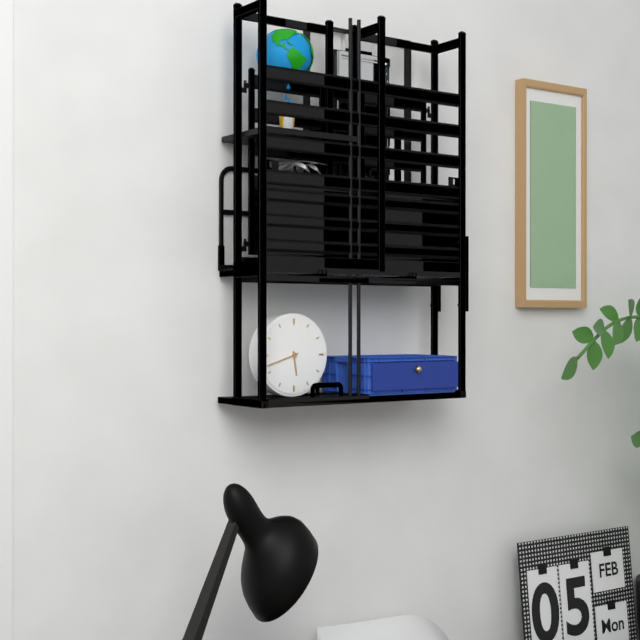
{"hour": 5, "minute": 42}
